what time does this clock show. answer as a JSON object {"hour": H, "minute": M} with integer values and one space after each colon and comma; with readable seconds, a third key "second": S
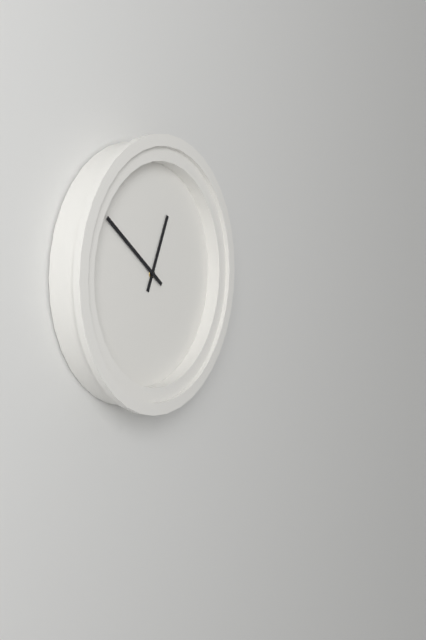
{"hour": 12, "minute": 51}
